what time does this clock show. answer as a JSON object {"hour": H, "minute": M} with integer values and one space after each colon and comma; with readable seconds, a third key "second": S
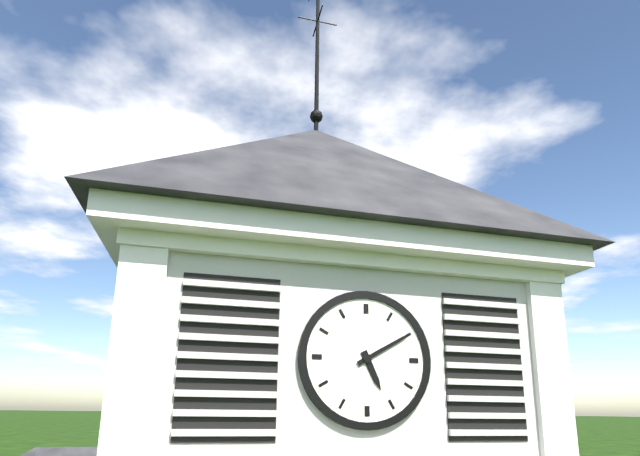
{"hour": 5, "minute": 10}
